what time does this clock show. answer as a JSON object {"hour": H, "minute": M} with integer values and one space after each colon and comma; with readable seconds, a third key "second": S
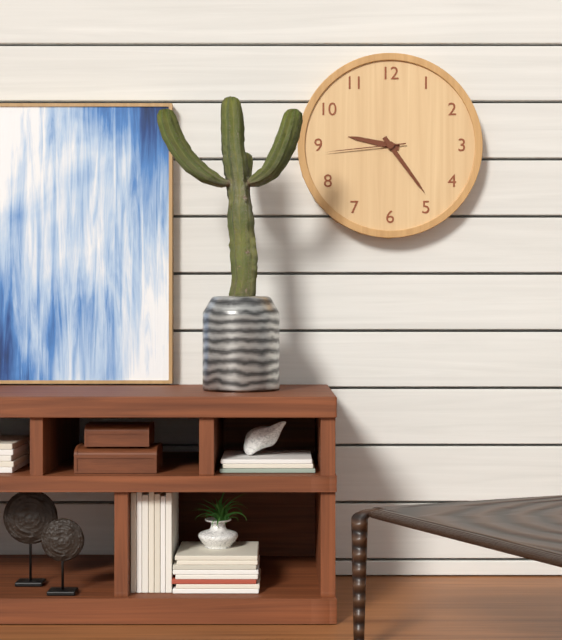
{"hour": 9, "minute": 24, "second": 44}
